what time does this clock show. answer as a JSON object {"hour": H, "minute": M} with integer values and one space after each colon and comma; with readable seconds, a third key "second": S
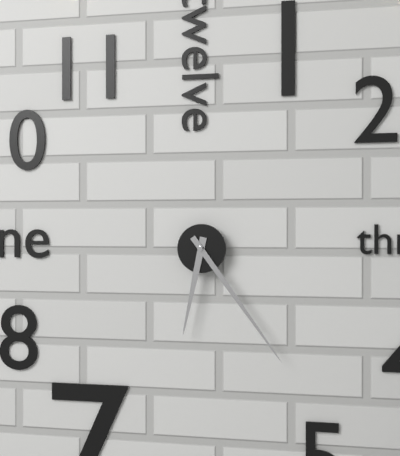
{"hour": 6, "minute": 24}
